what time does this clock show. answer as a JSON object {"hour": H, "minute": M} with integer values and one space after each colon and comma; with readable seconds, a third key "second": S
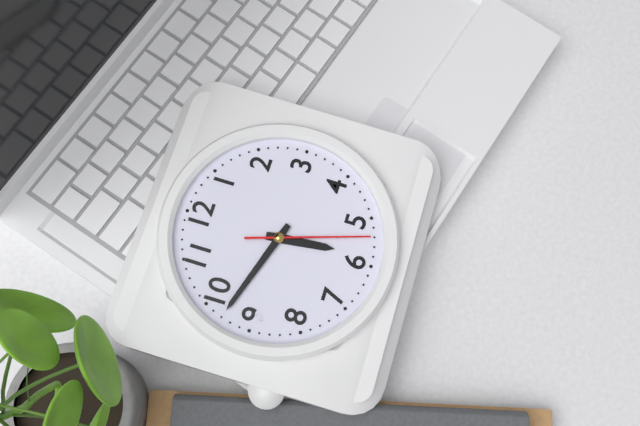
{"hour": 5, "minute": 48, "second": 27}
